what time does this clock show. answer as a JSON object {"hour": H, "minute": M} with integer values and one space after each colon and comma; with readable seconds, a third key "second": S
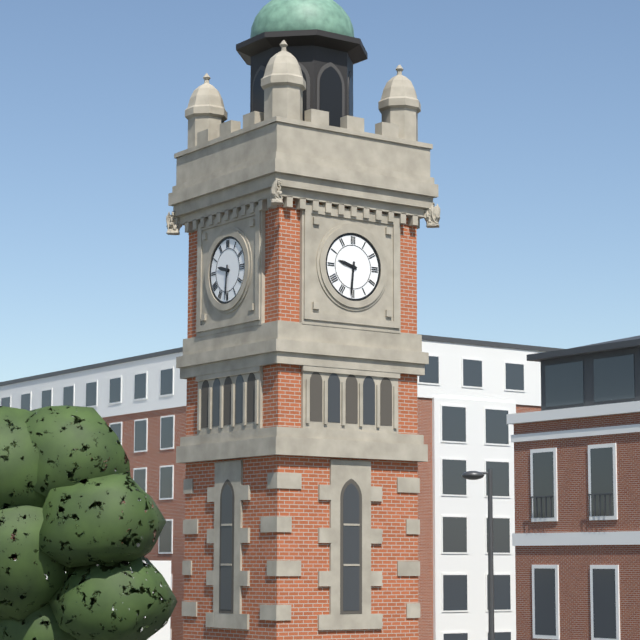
{"hour": 9, "minute": 31}
